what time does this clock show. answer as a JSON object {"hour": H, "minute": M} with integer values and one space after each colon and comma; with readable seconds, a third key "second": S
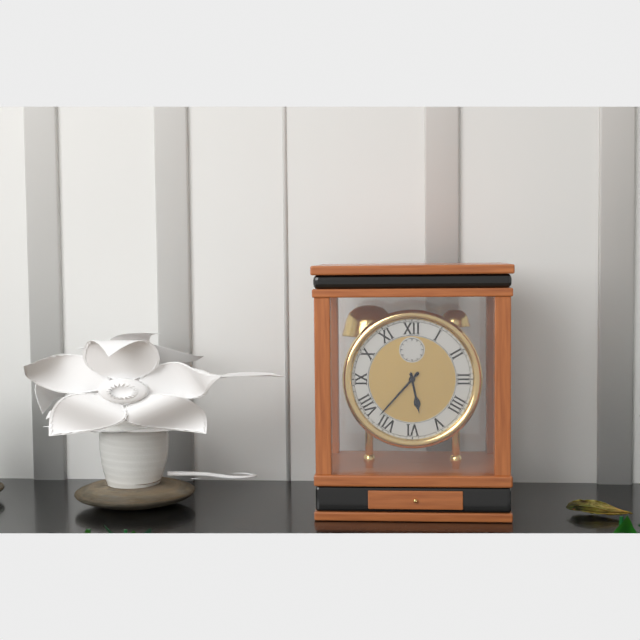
{"hour": 5, "minute": 37}
